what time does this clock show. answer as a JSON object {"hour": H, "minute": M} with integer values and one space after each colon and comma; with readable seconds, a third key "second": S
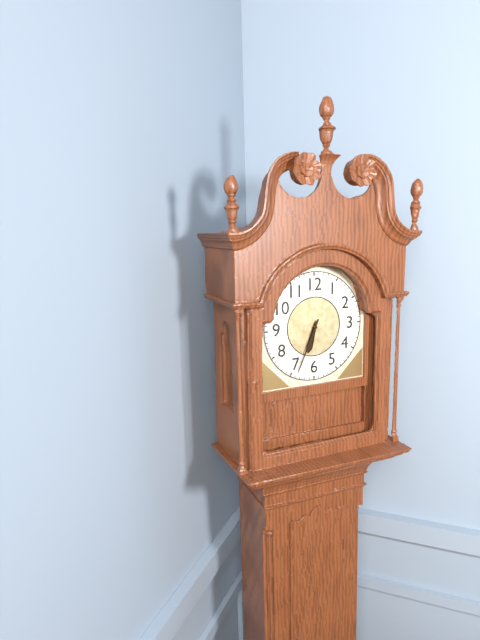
{"hour": 6, "minute": 34}
